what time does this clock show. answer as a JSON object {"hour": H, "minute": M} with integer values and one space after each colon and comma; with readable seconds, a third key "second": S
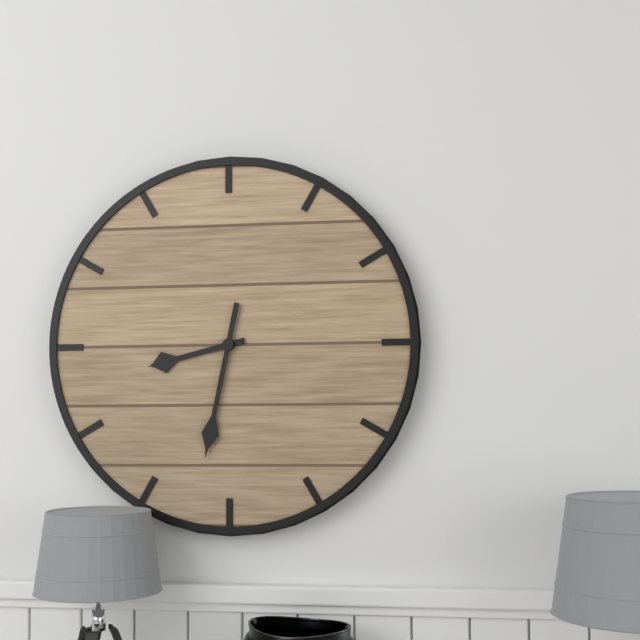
{"hour": 8, "minute": 32}
